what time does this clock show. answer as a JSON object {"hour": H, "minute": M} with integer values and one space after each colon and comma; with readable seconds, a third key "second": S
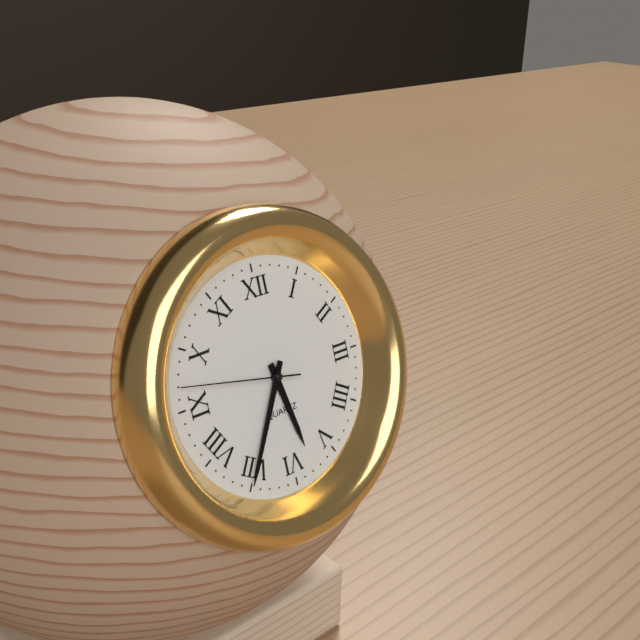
{"hour": 5, "minute": 35, "second": 47}
